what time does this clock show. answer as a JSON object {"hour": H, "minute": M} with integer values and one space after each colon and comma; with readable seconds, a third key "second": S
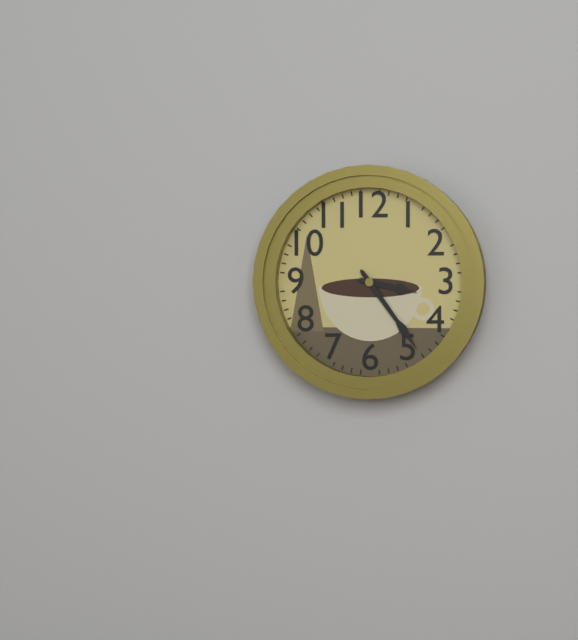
{"hour": 3, "minute": 24}
